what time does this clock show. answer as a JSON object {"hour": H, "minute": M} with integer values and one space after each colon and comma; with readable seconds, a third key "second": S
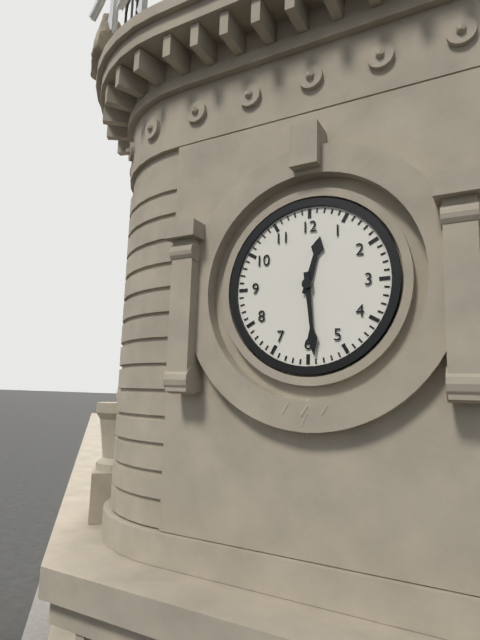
{"hour": 12, "minute": 29}
